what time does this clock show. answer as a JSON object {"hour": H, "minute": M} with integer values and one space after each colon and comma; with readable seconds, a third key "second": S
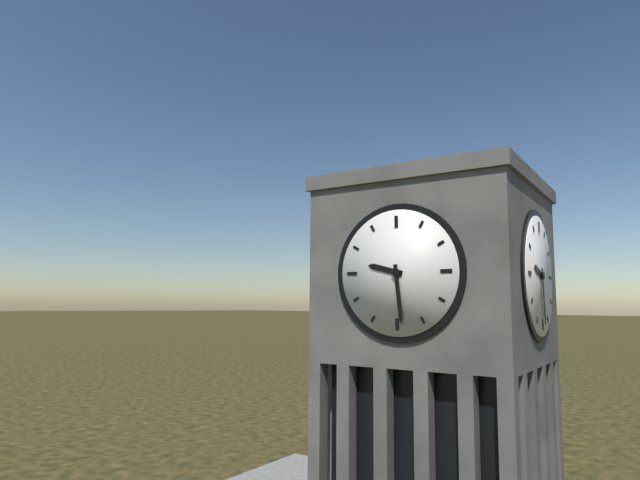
{"hour": 9, "minute": 29}
